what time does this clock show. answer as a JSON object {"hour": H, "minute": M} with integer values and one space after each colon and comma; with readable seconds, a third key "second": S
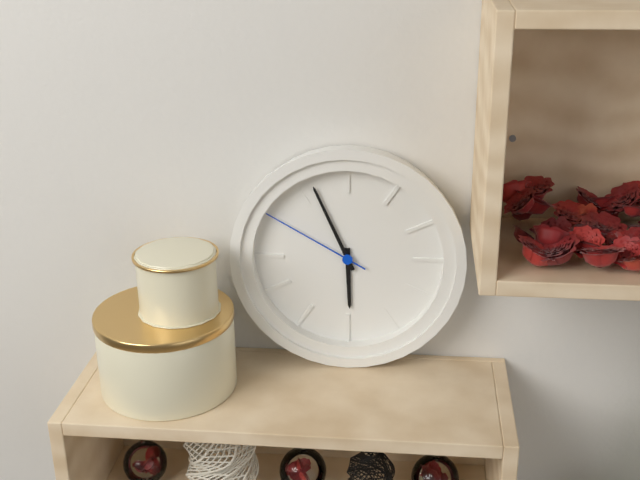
{"hour": 5, "minute": 56, "second": 50}
